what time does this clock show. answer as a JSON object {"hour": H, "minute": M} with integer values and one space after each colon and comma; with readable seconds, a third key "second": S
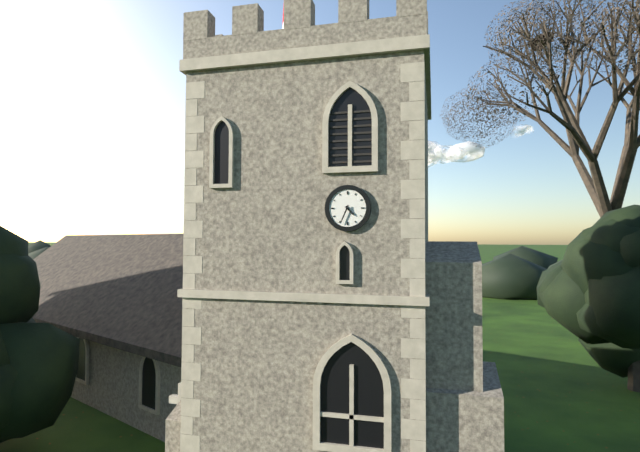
{"hour": 4, "minute": 34}
